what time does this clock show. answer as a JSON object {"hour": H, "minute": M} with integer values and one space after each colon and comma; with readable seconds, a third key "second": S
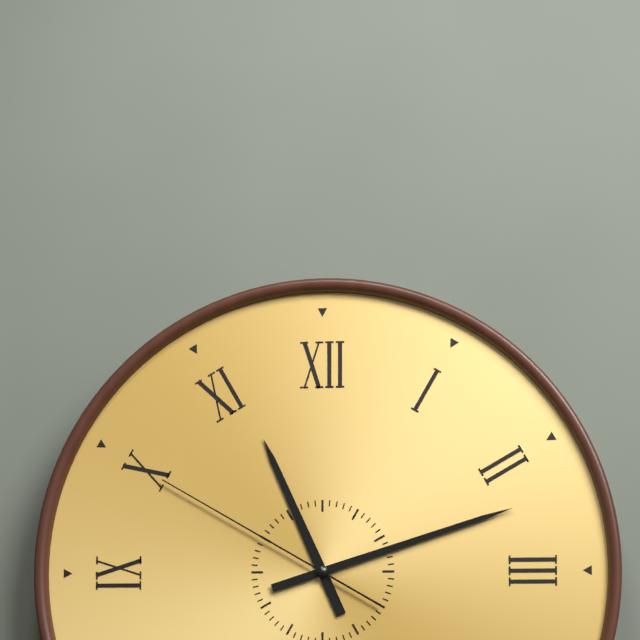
{"hour": 11, "minute": 12, "second": 50}
